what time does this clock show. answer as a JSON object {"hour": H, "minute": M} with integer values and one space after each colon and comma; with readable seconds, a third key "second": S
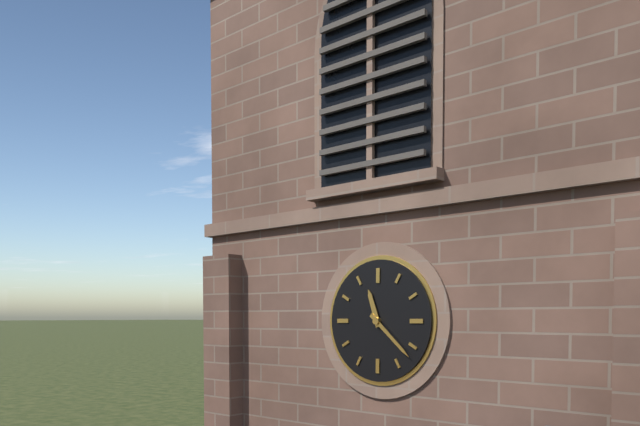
{"hour": 11, "minute": 22}
